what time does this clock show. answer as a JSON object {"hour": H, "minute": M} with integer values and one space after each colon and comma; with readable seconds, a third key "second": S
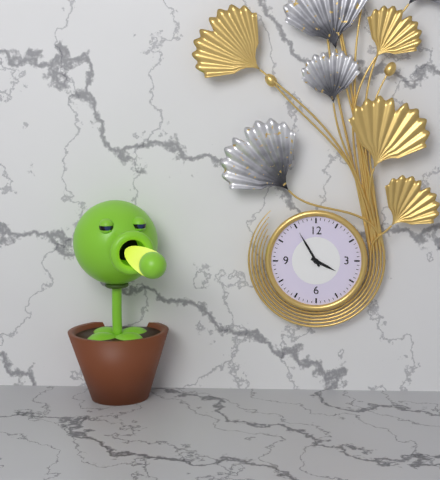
{"hour": 3, "minute": 55}
